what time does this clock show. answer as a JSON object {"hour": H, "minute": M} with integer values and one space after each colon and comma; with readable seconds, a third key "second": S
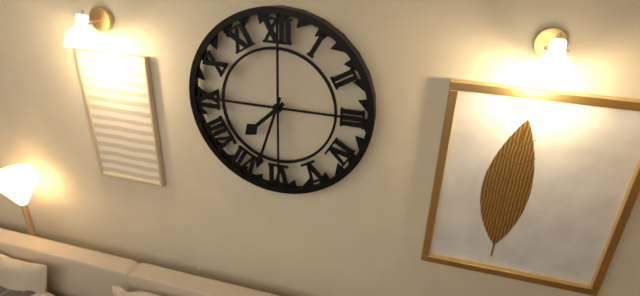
{"hour": 7, "minute": 33}
